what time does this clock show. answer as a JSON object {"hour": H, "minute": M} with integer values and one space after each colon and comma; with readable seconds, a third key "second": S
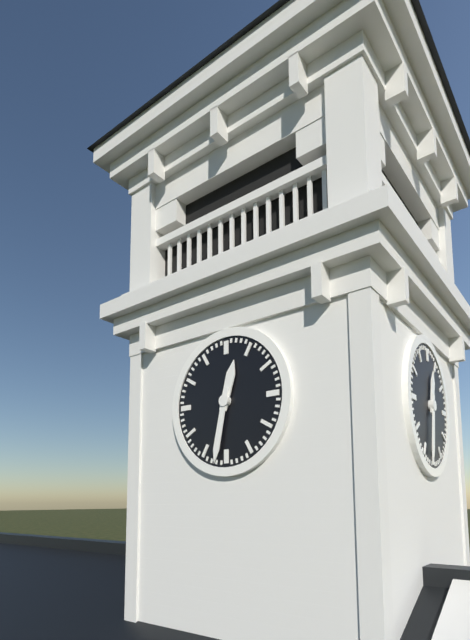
{"hour": 12, "minute": 32}
